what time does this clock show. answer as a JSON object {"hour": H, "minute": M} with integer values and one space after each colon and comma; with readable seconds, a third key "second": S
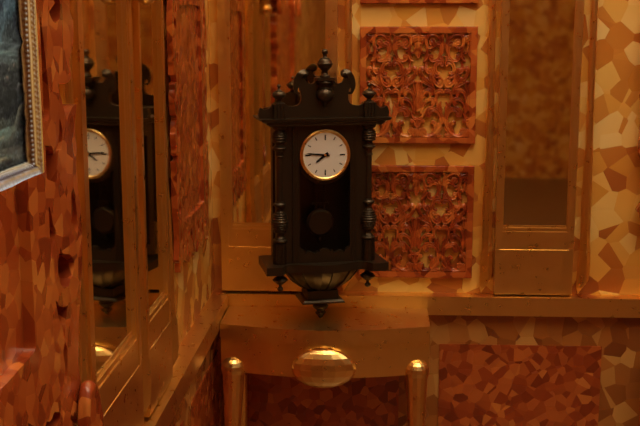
{"hour": 7, "minute": 46}
